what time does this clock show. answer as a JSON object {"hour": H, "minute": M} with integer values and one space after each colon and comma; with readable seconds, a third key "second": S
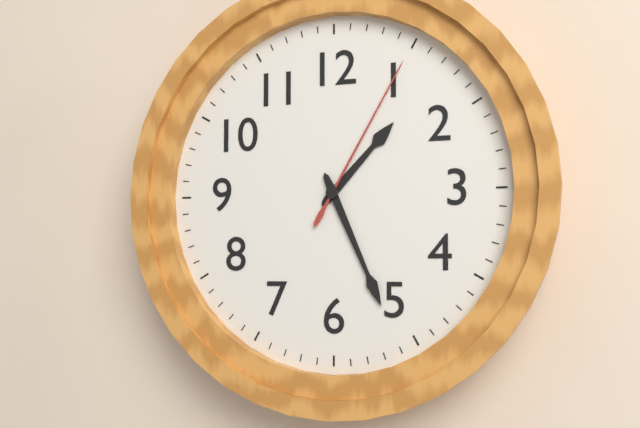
{"hour": 1, "minute": 26, "second": 5}
